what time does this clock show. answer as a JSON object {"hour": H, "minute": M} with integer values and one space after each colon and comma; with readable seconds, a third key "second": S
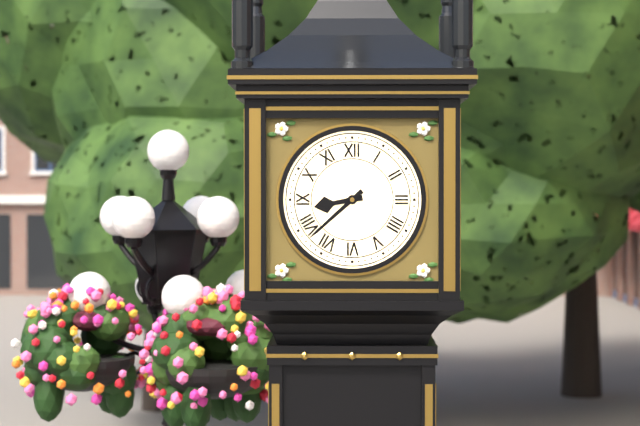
{"hour": 8, "minute": 38}
